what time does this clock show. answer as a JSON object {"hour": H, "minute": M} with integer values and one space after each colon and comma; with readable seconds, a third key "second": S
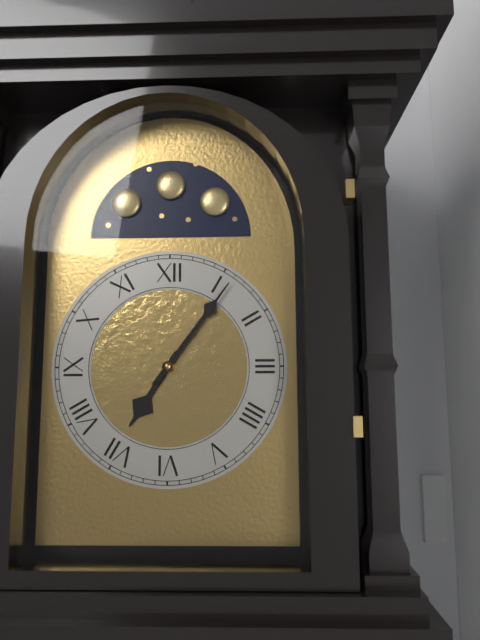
{"hour": 7, "minute": 6}
